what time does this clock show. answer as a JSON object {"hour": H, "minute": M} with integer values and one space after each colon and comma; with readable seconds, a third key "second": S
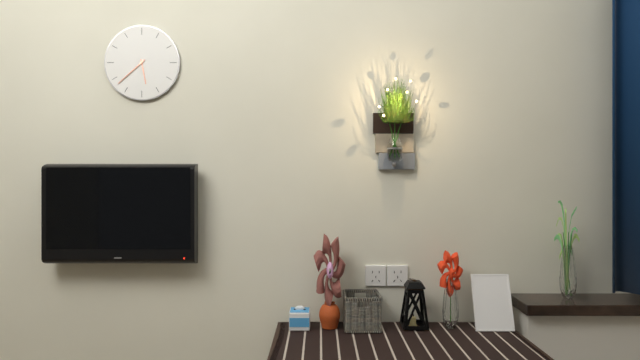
{"hour": 5, "minute": 38}
